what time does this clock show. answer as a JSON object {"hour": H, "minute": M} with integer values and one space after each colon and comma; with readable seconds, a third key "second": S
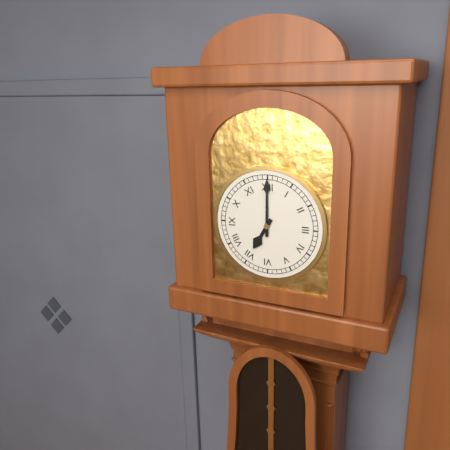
{"hour": 7, "minute": 0}
